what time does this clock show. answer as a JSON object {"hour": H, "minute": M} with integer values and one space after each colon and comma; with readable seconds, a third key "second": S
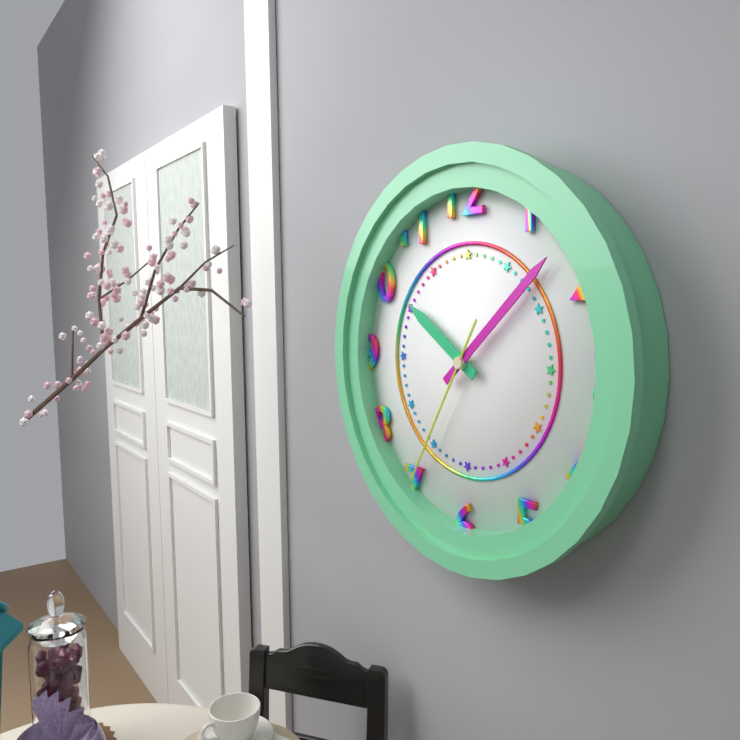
{"hour": 10, "minute": 8, "second": 35}
